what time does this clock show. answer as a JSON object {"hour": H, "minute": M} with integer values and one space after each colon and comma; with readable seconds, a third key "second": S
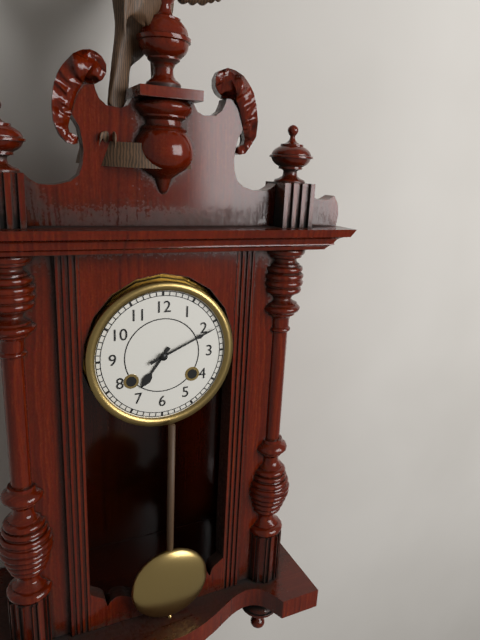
{"hour": 7, "minute": 11}
